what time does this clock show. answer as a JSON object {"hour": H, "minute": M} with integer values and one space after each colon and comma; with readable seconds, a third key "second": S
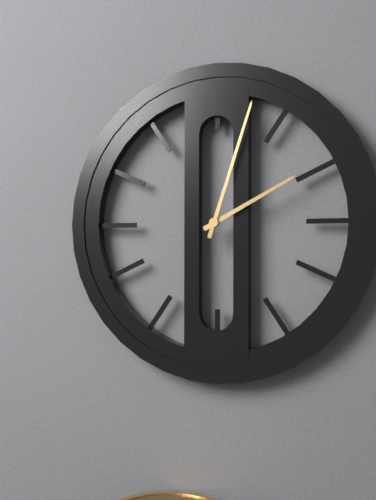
{"hour": 2, "minute": 3}
